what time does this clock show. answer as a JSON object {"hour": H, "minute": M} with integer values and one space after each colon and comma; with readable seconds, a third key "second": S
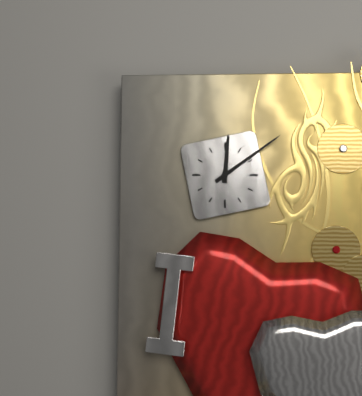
{"hour": 12, "minute": 9}
